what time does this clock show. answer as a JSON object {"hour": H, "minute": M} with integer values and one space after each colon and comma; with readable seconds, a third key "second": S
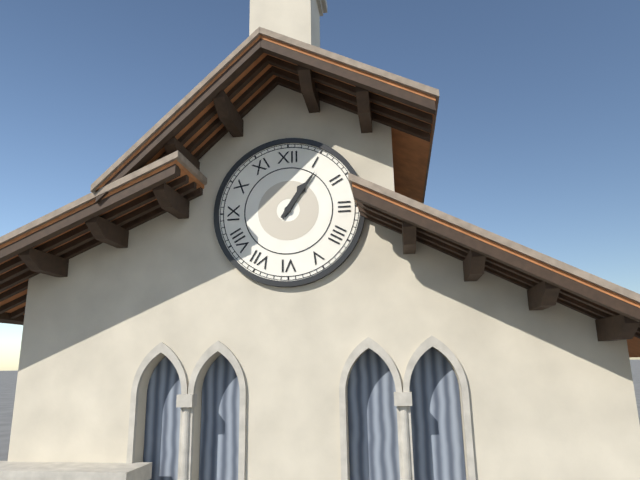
{"hour": 1, "minute": 6}
